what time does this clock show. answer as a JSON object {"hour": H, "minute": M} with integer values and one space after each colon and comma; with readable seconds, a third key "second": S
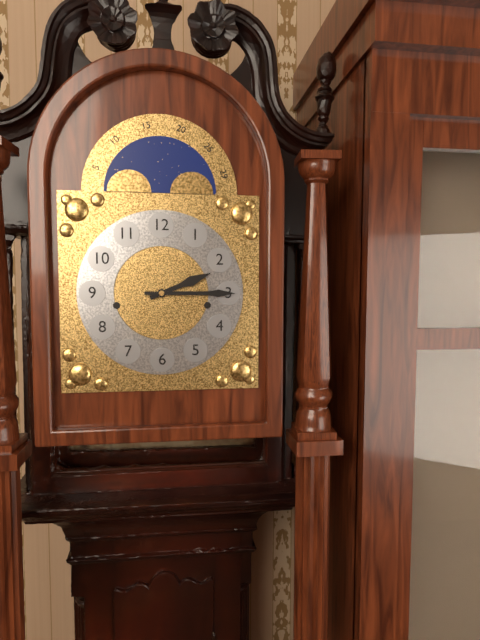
{"hour": 2, "minute": 15}
